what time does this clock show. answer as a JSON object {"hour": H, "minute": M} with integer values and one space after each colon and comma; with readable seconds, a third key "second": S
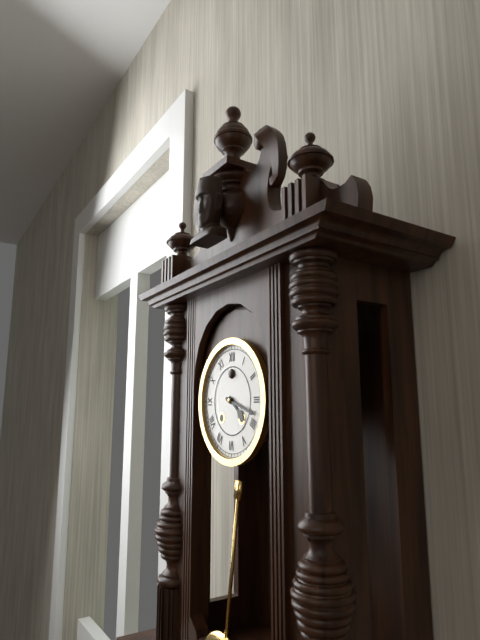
{"hour": 4, "minute": 18}
